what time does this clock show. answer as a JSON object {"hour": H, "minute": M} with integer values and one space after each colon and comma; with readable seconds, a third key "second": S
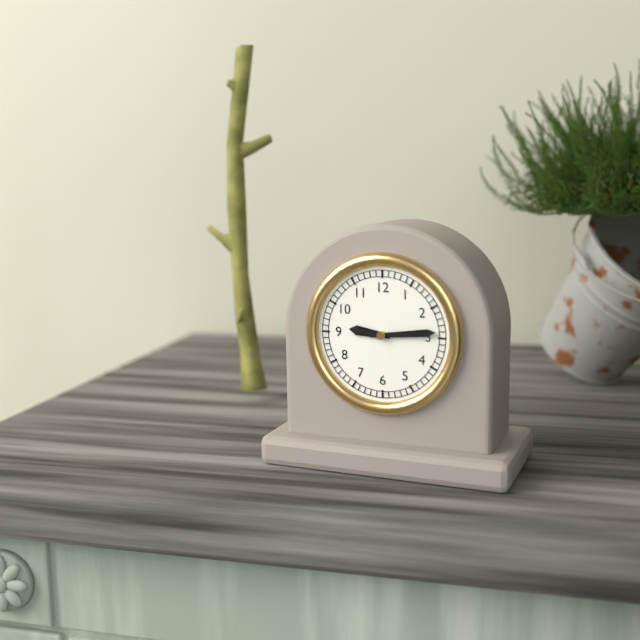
{"hour": 9, "minute": 14}
